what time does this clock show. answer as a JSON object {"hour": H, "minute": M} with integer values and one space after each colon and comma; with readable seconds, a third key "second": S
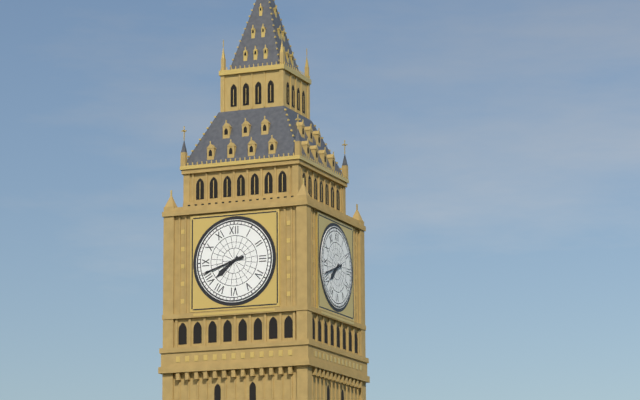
{"hour": 7, "minute": 42}
